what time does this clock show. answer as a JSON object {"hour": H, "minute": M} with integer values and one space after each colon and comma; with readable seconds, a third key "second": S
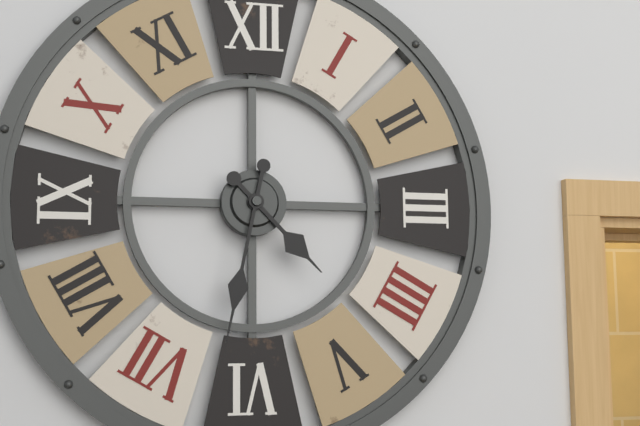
{"hour": 4, "minute": 32}
